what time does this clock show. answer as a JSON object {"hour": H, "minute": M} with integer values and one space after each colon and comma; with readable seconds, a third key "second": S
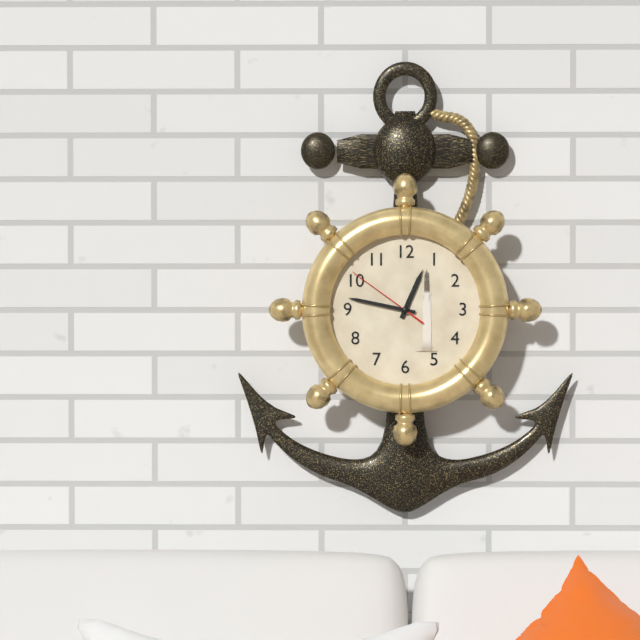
{"hour": 12, "minute": 47, "second": 51}
